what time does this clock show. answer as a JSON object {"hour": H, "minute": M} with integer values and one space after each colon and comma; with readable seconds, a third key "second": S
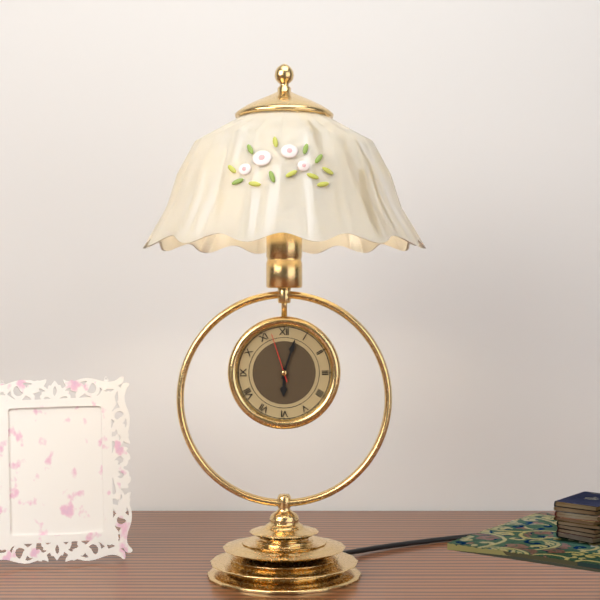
{"hour": 6, "minute": 3, "second": 57}
